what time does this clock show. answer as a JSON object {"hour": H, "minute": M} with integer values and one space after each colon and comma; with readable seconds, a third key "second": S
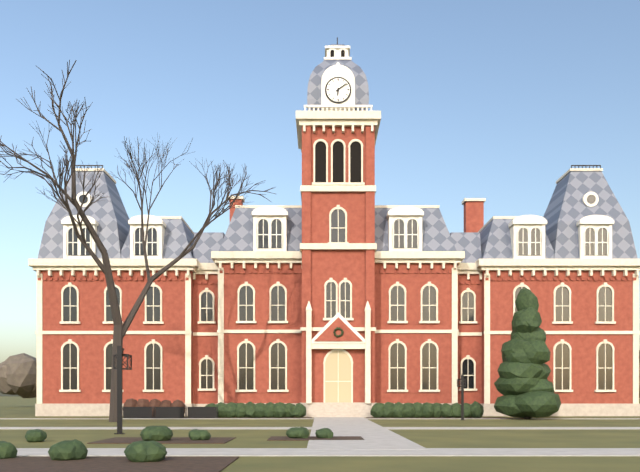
{"hour": 6, "minute": 9}
